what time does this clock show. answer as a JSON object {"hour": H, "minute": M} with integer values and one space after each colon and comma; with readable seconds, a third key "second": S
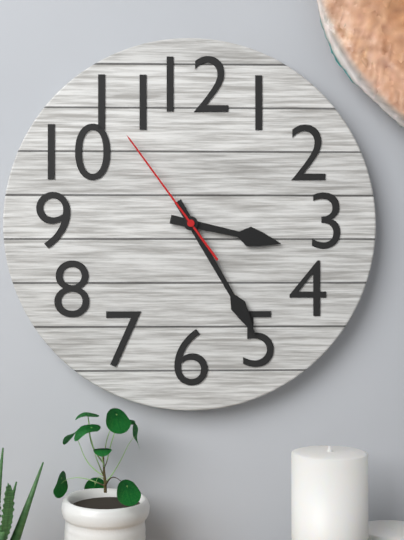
{"hour": 3, "minute": 25, "second": 54}
